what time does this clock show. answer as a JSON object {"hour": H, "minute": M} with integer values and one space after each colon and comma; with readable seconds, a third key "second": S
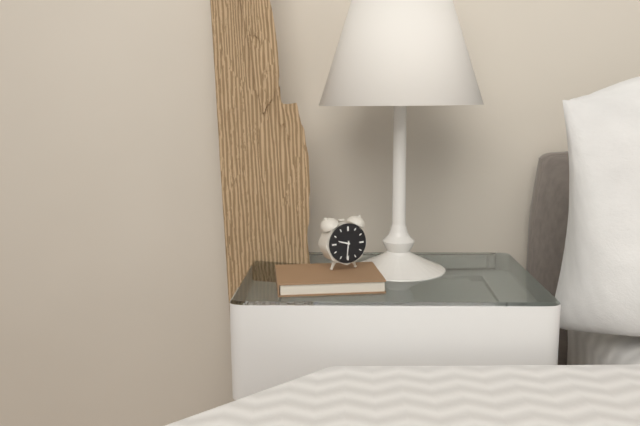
{"hour": 9, "minute": 31}
